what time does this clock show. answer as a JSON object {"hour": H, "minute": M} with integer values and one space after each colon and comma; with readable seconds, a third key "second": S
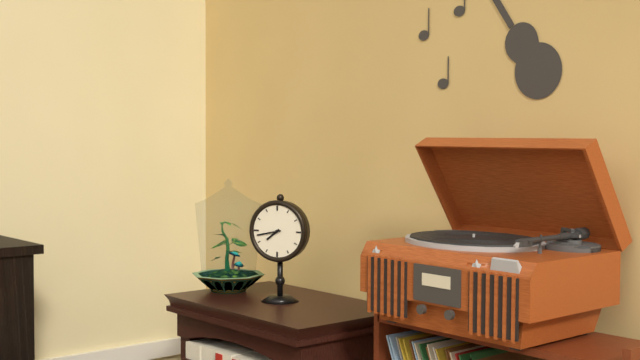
{"hour": 7, "minute": 43}
